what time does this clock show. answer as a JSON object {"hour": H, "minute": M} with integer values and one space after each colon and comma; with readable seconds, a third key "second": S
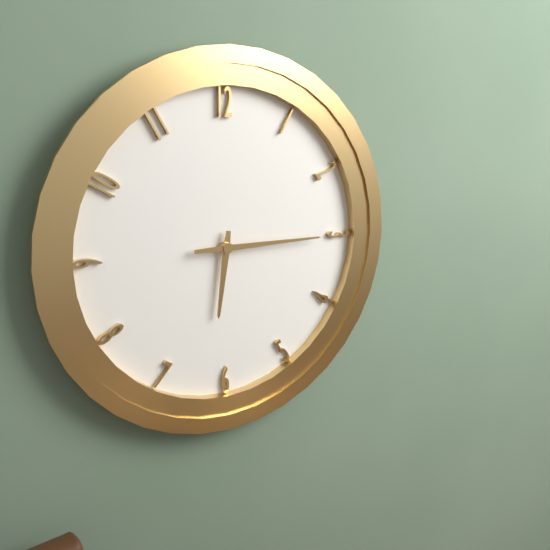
{"hour": 6, "minute": 15}
